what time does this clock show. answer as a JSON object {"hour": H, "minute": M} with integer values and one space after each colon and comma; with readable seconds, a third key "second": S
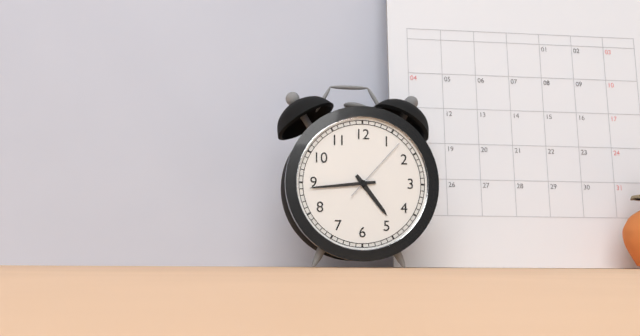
{"hour": 4, "minute": 44, "second": 7}
